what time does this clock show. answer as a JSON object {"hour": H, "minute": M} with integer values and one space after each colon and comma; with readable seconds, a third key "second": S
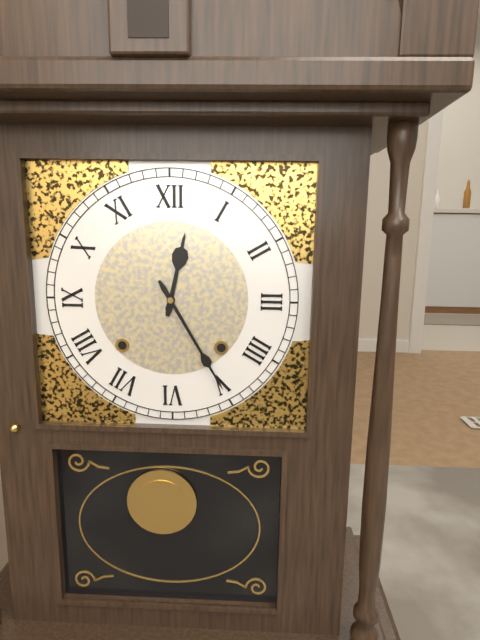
{"hour": 12, "minute": 25}
